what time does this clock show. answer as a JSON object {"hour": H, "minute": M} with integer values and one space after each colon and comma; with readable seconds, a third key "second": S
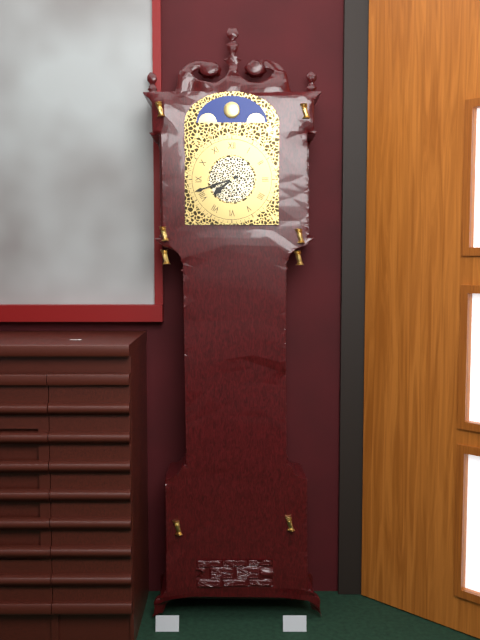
{"hour": 7, "minute": 42}
